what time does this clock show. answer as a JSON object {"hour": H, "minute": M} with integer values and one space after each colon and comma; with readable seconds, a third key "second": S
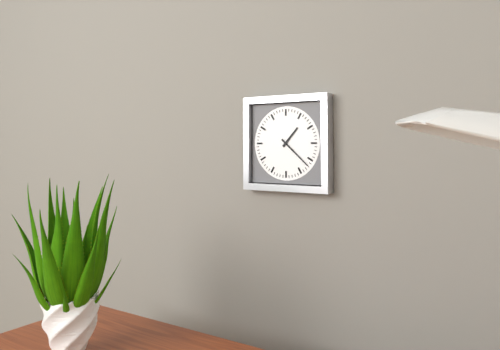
{"hour": 1, "minute": 22}
